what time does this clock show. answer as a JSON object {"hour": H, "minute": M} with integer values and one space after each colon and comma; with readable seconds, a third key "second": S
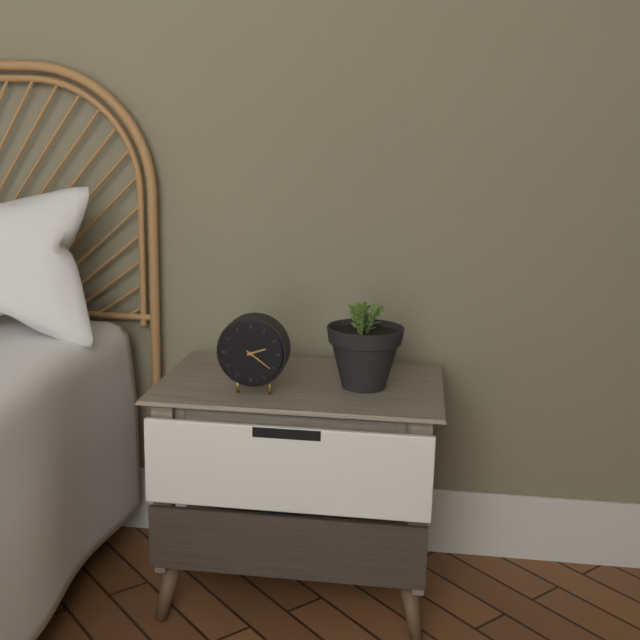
{"hour": 2, "minute": 21}
